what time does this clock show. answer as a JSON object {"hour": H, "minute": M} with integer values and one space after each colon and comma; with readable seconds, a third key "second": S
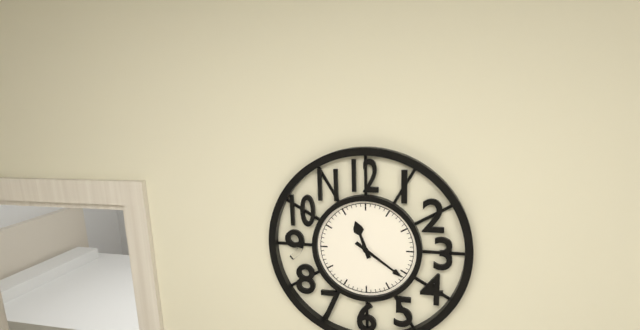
{"hour": 11, "minute": 21}
